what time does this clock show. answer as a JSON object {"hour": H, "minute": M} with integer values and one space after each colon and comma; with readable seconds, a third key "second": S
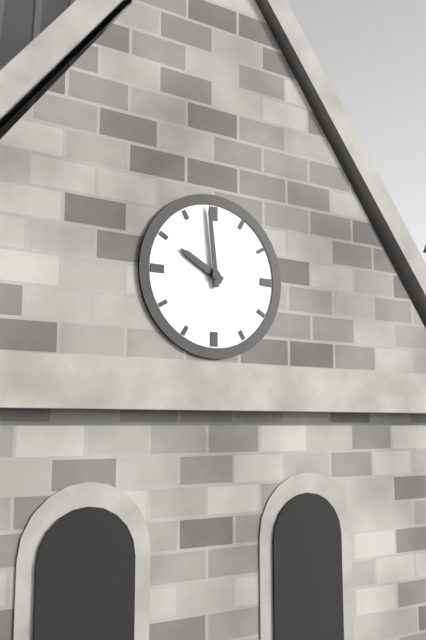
{"hour": 9, "minute": 59}
